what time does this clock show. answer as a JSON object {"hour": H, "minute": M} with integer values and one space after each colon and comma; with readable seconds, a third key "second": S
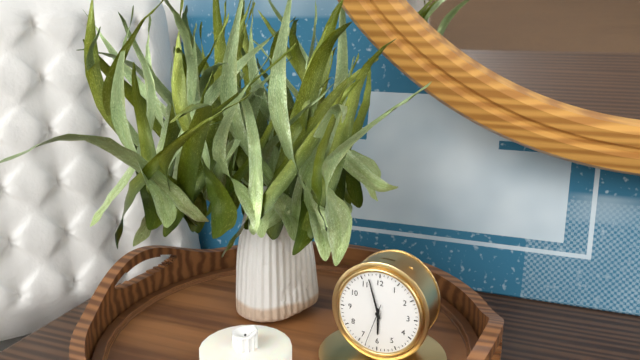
{"hour": 5, "minute": 57}
